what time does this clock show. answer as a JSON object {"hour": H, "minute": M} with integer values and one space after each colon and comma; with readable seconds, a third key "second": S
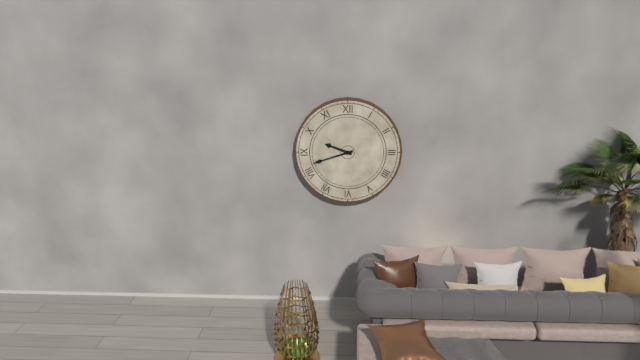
{"hour": 9, "minute": 42}
